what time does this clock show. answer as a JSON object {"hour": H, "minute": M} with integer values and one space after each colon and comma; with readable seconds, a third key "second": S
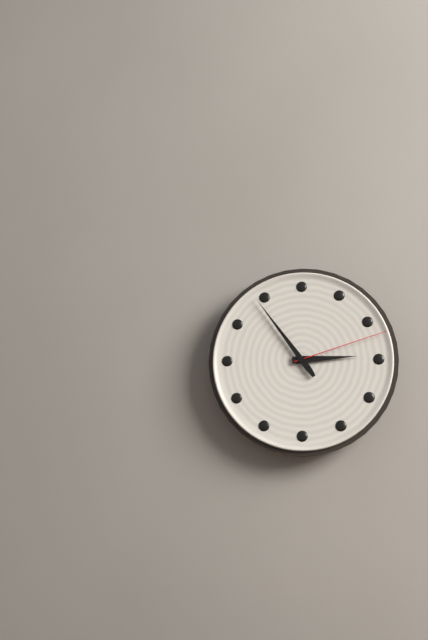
{"hour": 2, "minute": 54, "second": 12}
